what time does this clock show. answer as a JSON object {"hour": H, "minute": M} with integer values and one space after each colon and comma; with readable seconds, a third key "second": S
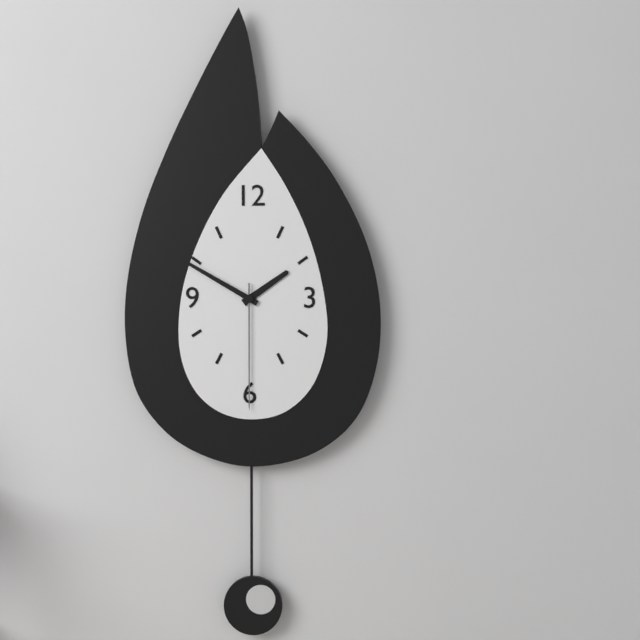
{"hour": 1, "minute": 50, "second": 30}
